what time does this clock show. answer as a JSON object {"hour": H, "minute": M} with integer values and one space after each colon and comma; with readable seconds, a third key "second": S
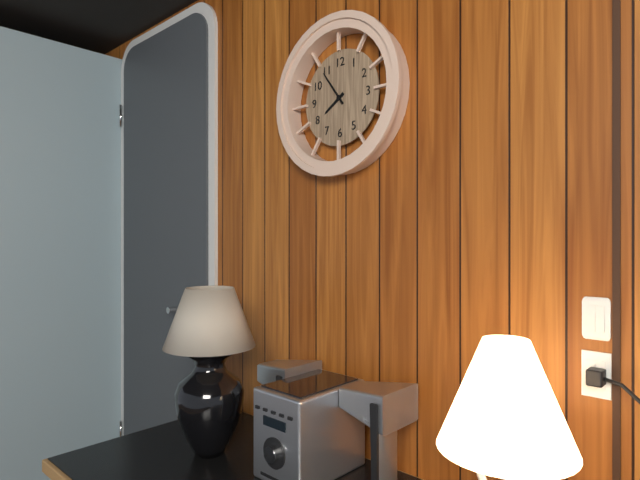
{"hour": 7, "minute": 54}
